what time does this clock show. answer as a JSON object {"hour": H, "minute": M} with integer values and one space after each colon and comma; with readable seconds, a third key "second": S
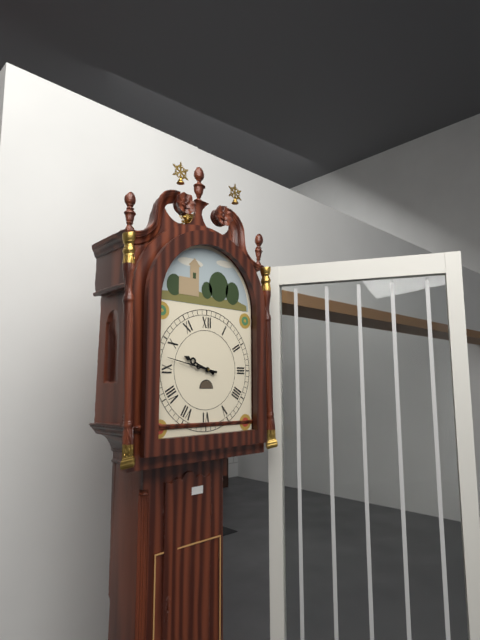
{"hour": 9, "minute": 47}
